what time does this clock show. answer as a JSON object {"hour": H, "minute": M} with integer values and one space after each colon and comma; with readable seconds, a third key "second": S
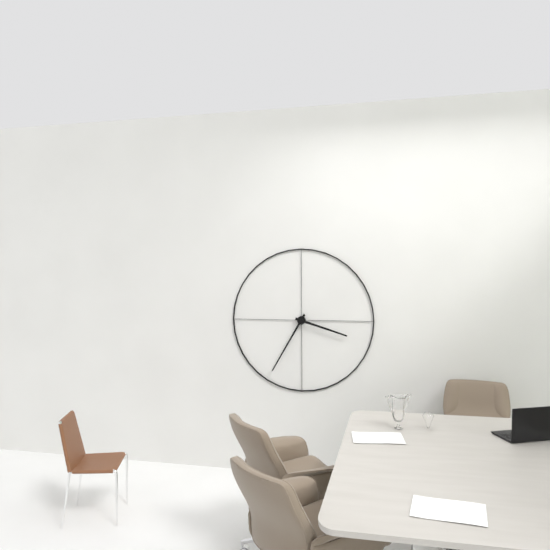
{"hour": 3, "minute": 35}
